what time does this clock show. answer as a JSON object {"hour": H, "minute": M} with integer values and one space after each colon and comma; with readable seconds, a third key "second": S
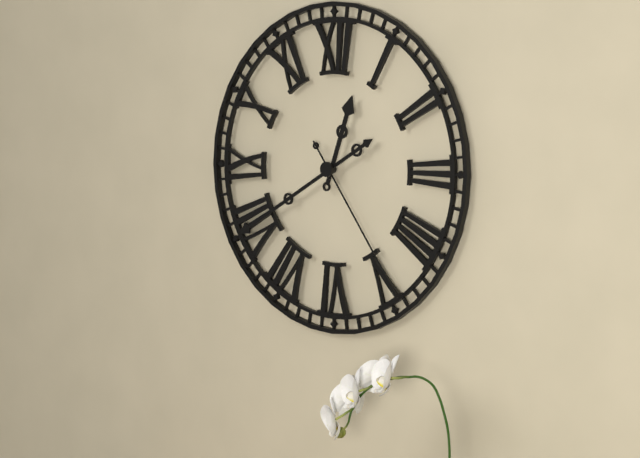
{"hour": 12, "minute": 40, "second": 24}
